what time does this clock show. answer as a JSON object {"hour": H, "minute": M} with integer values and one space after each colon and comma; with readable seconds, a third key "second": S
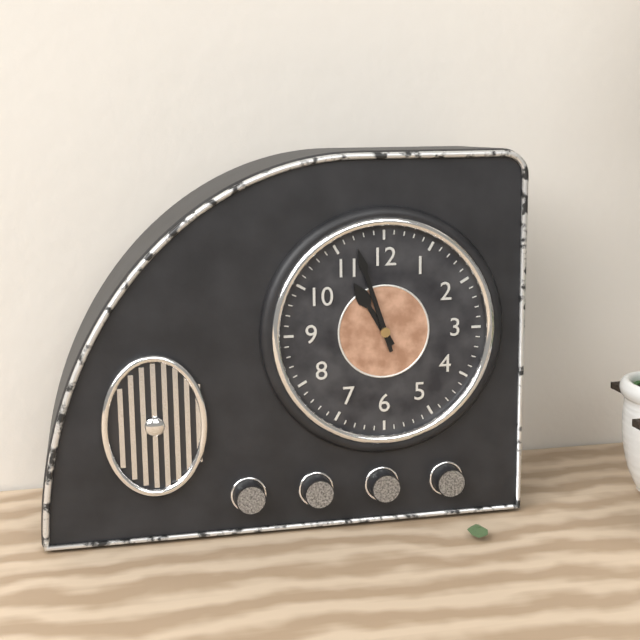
{"hour": 10, "minute": 57}
